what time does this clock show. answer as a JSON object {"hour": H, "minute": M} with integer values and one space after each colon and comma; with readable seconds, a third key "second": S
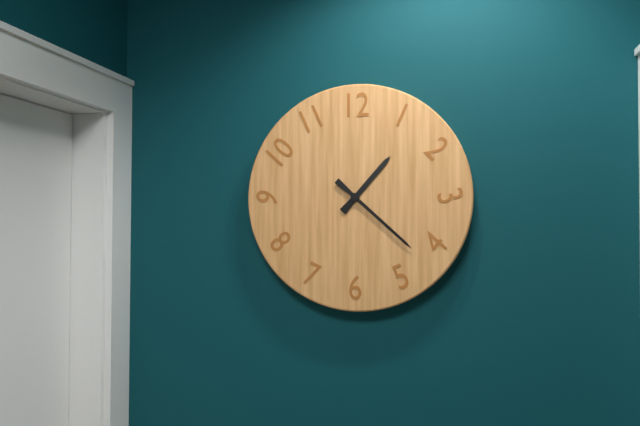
{"hour": 1, "minute": 22}
